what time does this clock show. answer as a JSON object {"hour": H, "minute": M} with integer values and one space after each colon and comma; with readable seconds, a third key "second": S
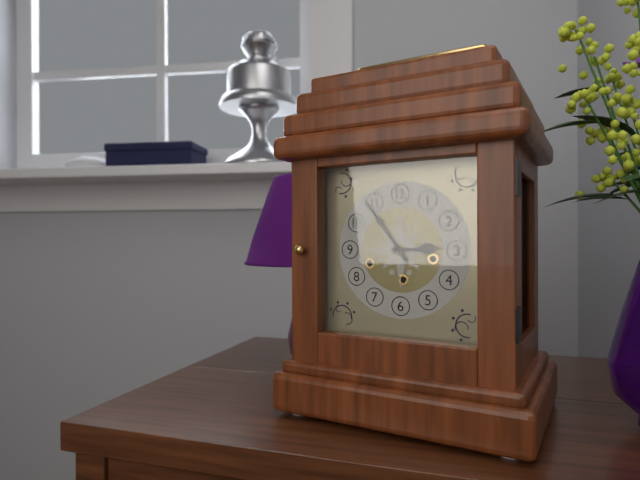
{"hour": 2, "minute": 54}
